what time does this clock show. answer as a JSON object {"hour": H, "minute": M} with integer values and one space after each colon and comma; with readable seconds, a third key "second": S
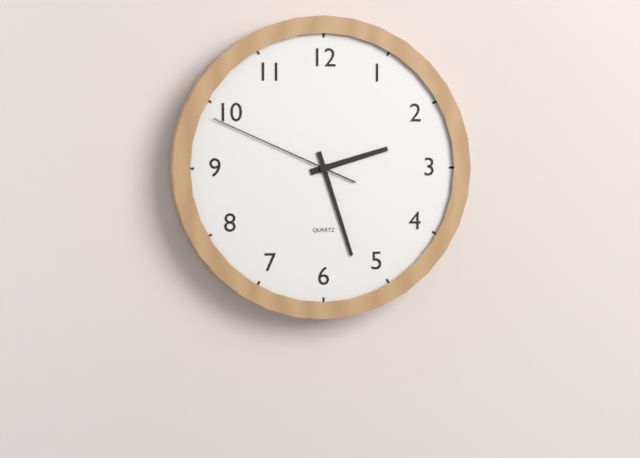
{"hour": 2, "minute": 27, "second": 49}
